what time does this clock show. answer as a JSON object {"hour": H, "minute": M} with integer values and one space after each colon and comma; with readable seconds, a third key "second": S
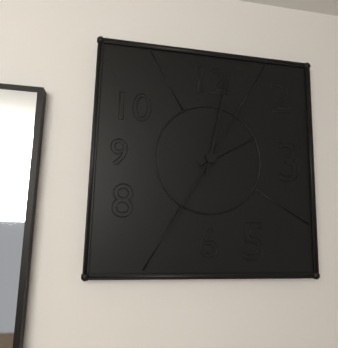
{"hour": 2, "minute": 2, "second": 35}
